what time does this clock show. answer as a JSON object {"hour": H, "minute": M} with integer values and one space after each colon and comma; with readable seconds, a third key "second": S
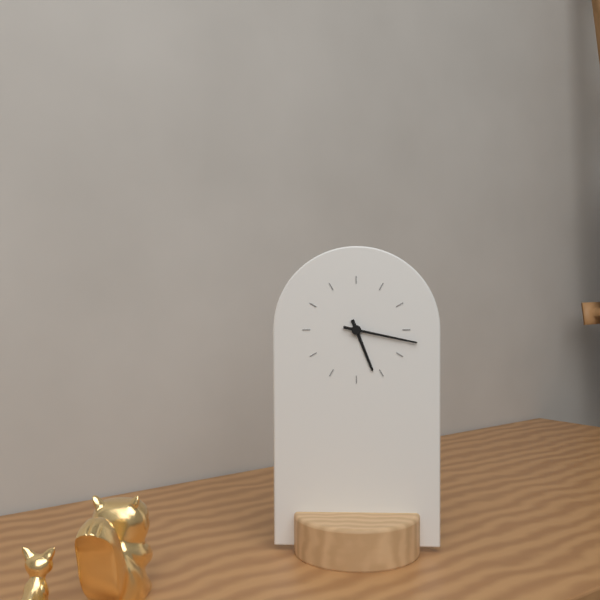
{"hour": 5, "minute": 17}
